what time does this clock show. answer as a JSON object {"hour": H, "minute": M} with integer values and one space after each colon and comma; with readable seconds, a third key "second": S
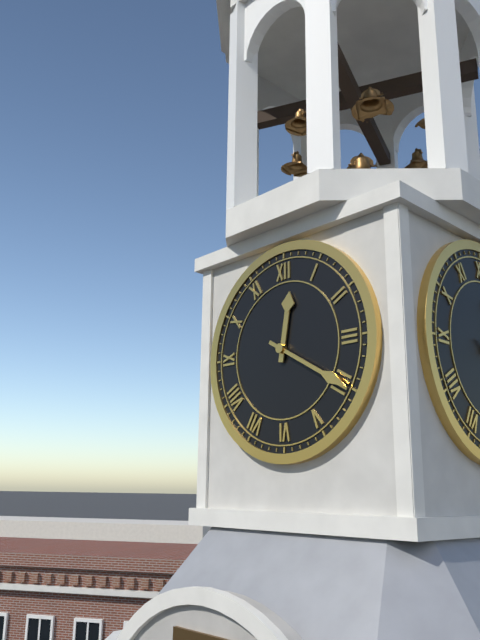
{"hour": 12, "minute": 20}
